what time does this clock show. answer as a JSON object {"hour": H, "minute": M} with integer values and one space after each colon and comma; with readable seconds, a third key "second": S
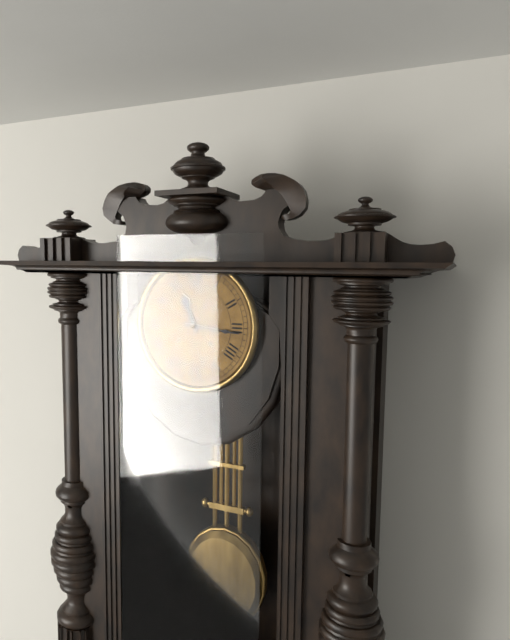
{"hour": 11, "minute": 16}
